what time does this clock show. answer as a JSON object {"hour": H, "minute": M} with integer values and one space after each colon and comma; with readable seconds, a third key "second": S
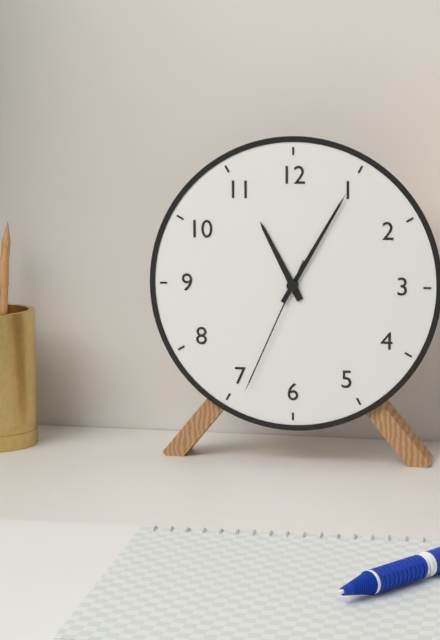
{"hour": 11, "minute": 5, "second": 34}
